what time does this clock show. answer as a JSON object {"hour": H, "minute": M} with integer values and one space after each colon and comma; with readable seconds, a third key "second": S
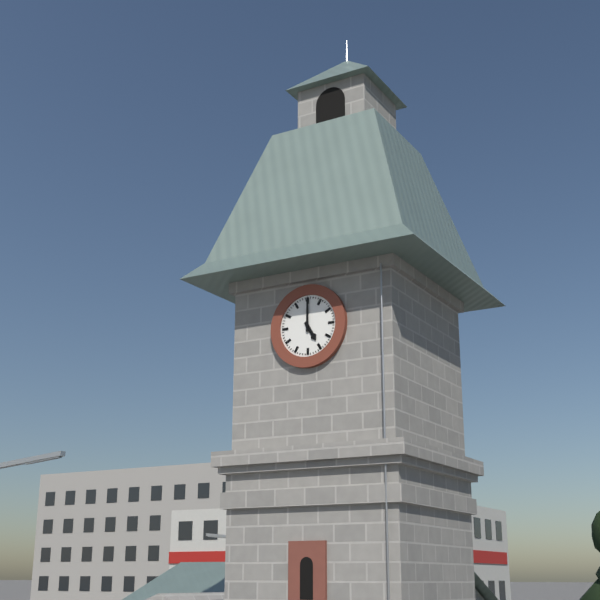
{"hour": 5, "minute": 0}
